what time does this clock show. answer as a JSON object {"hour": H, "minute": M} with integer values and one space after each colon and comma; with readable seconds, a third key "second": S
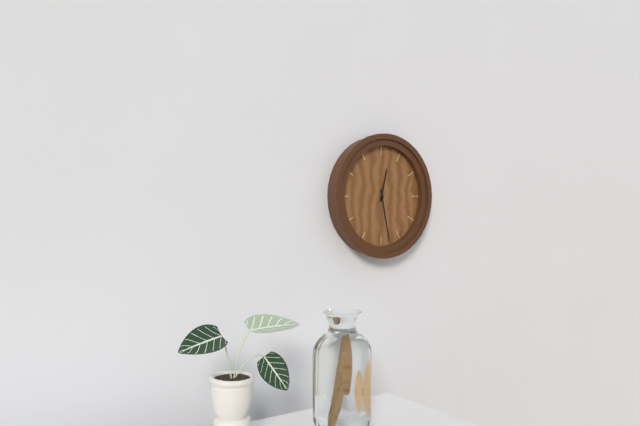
{"hour": 12, "minute": 28}
